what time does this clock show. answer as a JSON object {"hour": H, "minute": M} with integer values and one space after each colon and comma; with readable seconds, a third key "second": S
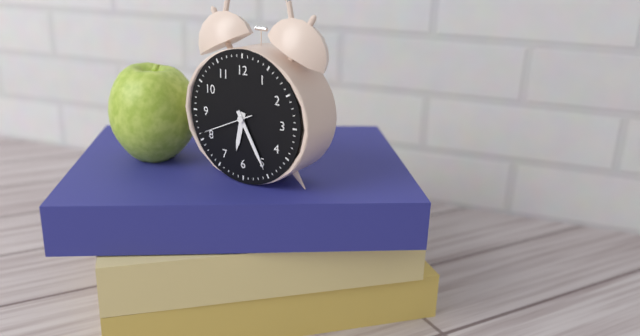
{"hour": 6, "minute": 25, "second": 41}
